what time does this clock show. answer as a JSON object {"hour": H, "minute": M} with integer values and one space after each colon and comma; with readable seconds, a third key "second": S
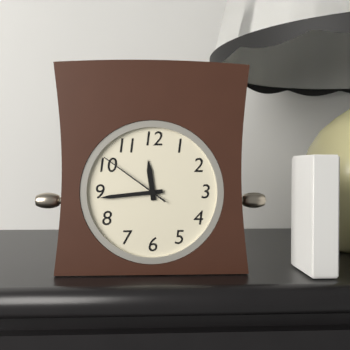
{"hour": 11, "minute": 44, "second": 51}
